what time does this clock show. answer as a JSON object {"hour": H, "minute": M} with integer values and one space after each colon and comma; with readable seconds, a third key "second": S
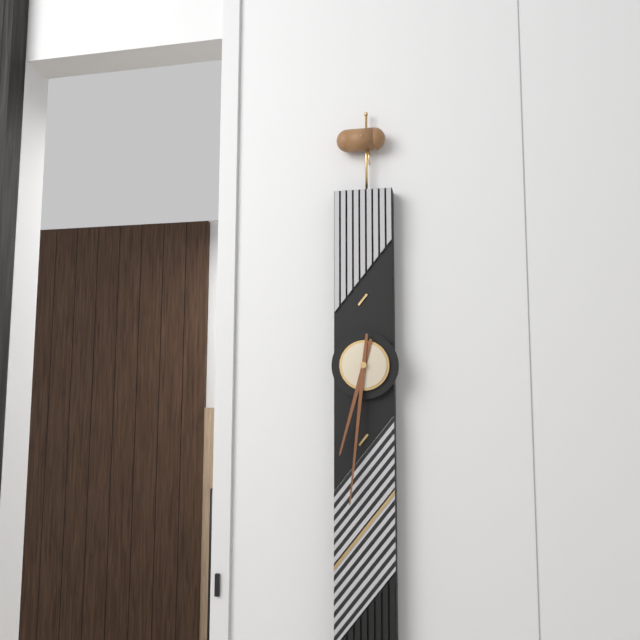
{"hour": 6, "minute": 31}
